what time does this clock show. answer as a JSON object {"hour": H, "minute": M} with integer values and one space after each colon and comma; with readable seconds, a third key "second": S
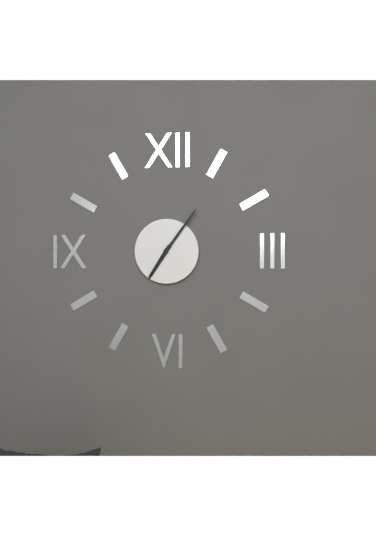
{"hour": 7, "minute": 6}
